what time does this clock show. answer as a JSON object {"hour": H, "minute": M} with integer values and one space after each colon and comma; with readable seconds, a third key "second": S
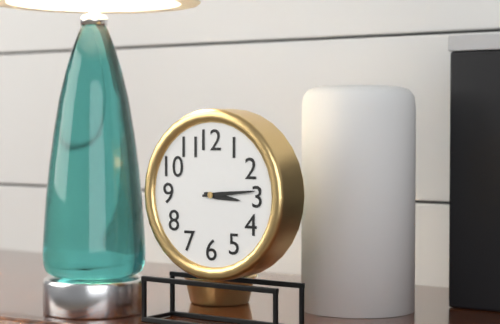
{"hour": 3, "minute": 14}
